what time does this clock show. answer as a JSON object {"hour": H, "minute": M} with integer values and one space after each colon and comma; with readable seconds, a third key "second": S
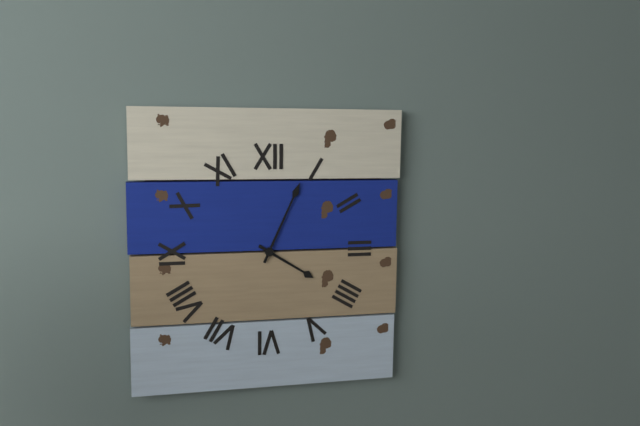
{"hour": 4, "minute": 4}
